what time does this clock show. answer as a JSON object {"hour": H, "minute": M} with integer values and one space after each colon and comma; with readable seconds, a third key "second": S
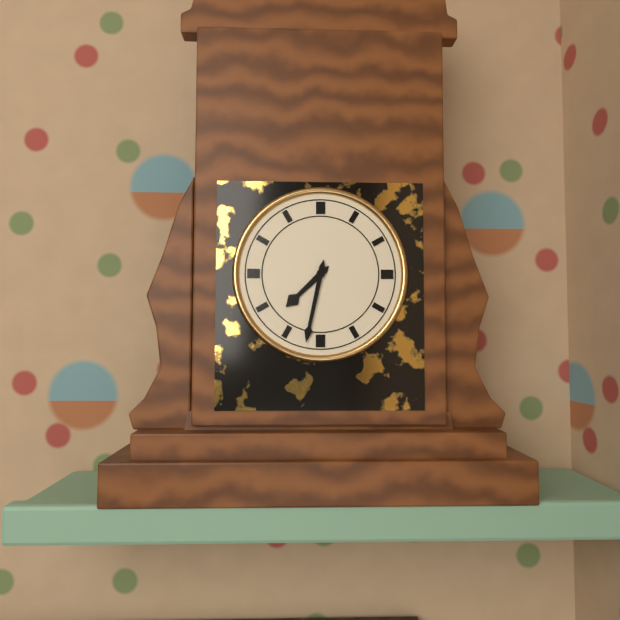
{"hour": 7, "minute": 32}
